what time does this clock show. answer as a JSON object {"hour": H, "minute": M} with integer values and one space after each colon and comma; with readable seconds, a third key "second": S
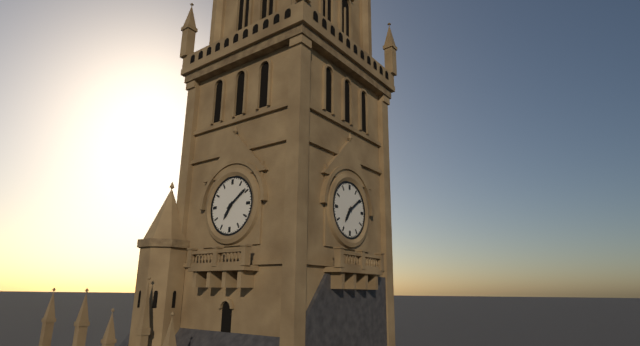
{"hour": 7, "minute": 9}
